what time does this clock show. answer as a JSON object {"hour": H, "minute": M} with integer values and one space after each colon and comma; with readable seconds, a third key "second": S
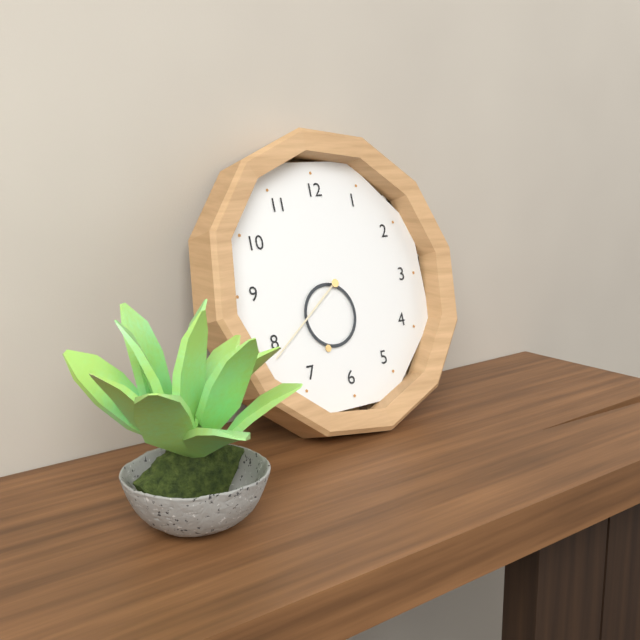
{"hour": 6, "minute": 39}
